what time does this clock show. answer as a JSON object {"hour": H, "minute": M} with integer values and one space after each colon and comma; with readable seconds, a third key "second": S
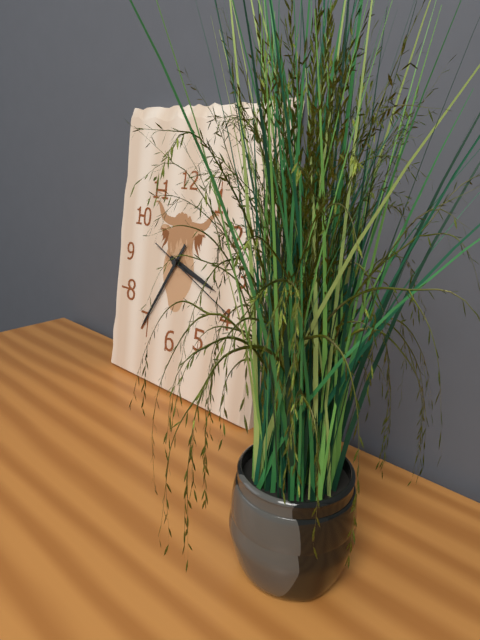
{"hour": 3, "minute": 35, "second": 19}
